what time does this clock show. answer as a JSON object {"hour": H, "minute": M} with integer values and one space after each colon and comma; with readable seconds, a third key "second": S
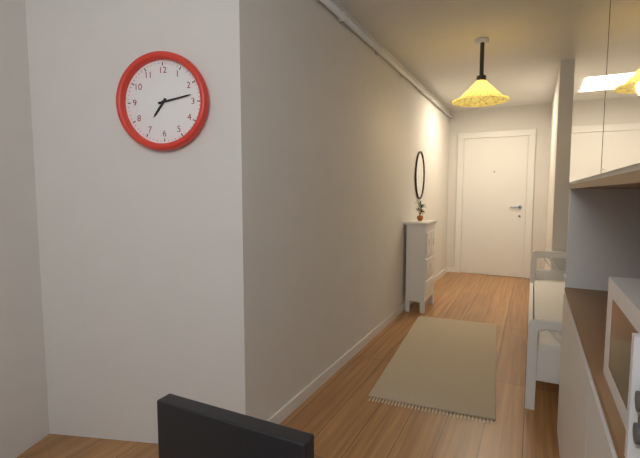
{"hour": 7, "minute": 13}
